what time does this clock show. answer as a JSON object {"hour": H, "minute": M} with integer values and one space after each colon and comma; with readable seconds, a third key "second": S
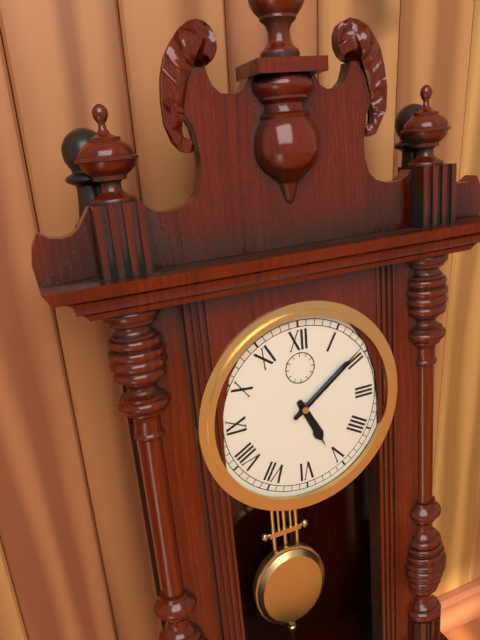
{"hour": 5, "minute": 9}
